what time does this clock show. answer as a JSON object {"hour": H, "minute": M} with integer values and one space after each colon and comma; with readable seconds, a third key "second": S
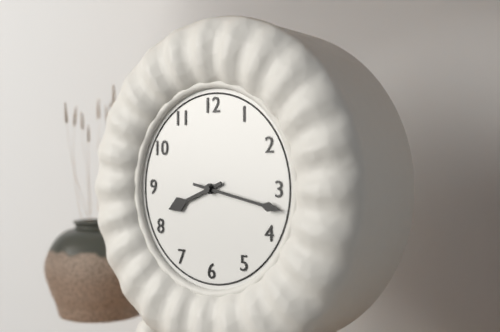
{"hour": 8, "minute": 17}
